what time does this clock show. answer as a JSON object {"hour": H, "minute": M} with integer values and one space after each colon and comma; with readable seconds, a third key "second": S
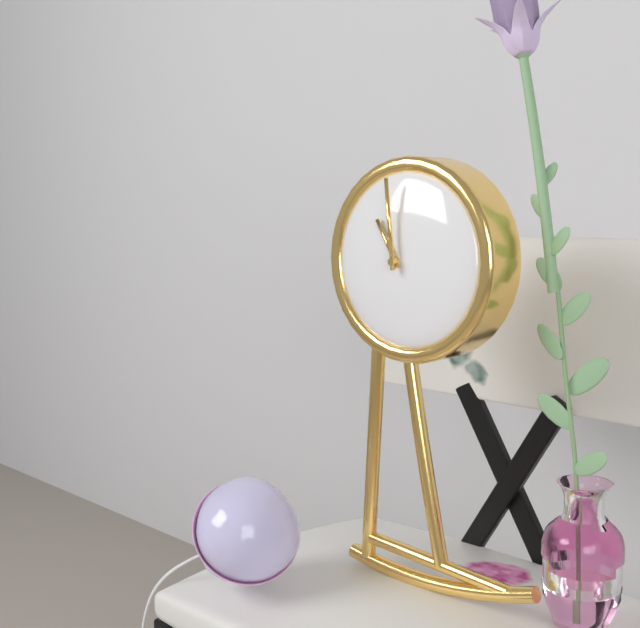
{"hour": 10, "minute": 59}
